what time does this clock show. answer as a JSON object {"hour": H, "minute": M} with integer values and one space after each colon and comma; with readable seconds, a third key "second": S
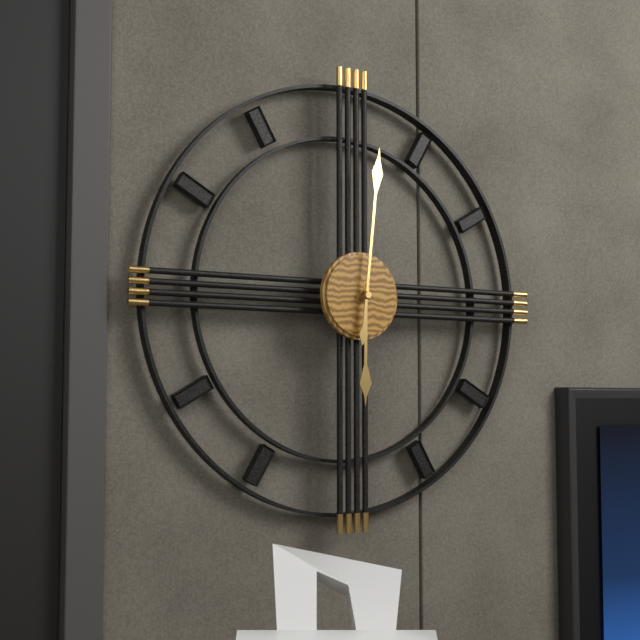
{"hour": 6, "minute": 1}
